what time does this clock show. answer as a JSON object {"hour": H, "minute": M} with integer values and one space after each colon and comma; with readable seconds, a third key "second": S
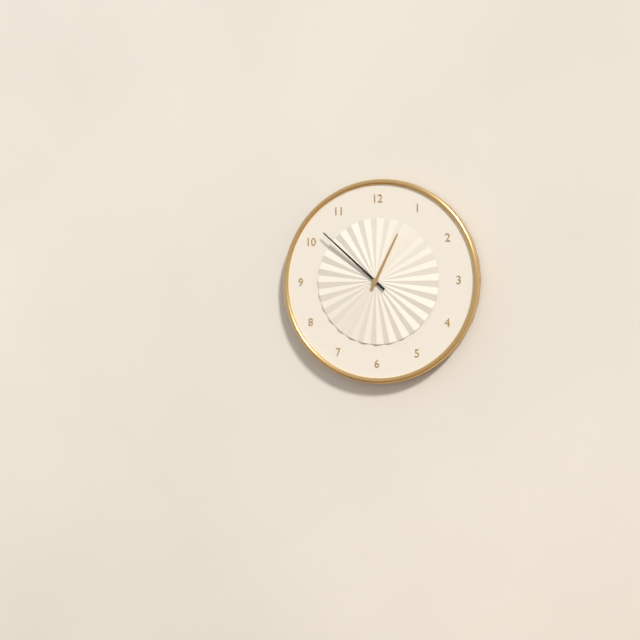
{"hour": 12, "minute": 52}
